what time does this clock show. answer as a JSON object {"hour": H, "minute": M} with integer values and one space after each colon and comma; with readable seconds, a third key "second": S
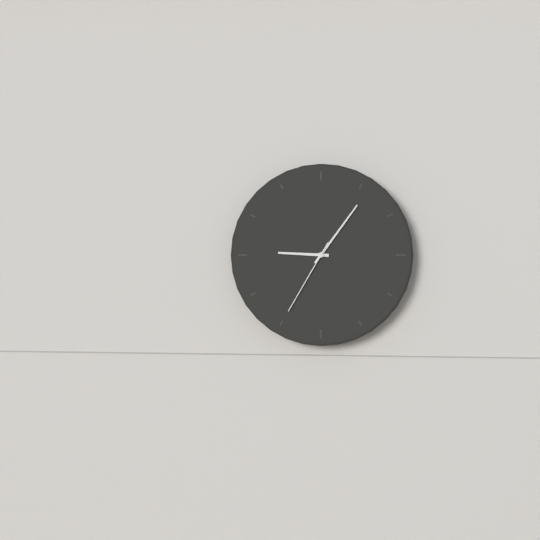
{"hour": 9, "minute": 6, "second": 35}
